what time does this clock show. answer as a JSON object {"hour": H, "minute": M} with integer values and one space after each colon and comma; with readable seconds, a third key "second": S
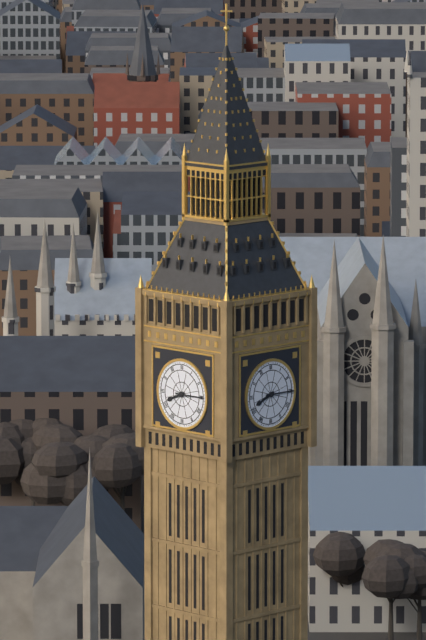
{"hour": 8, "minute": 15}
